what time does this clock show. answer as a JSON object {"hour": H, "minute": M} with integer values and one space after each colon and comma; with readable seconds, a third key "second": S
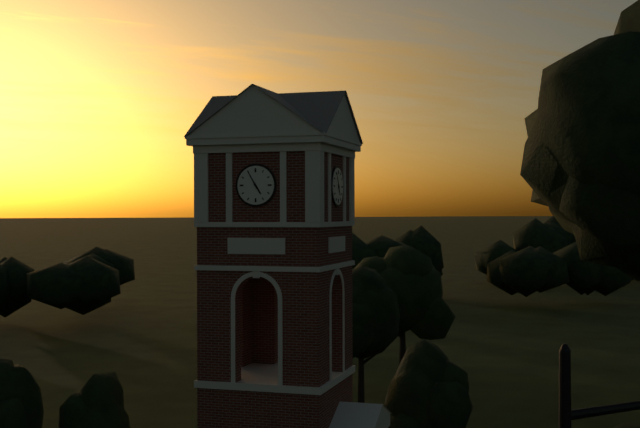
{"hour": 4, "minute": 55}
